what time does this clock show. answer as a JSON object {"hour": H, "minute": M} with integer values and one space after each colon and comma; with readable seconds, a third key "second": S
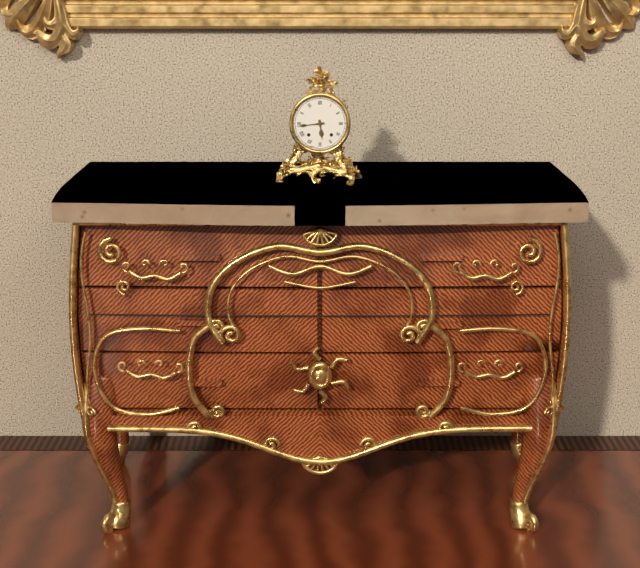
{"hour": 5, "minute": 44}
